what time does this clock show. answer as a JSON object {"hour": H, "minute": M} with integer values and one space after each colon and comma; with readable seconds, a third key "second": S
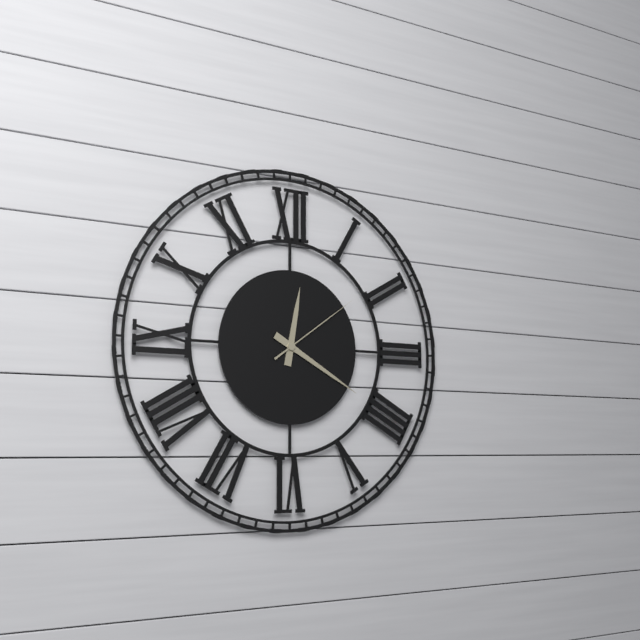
{"hour": 12, "minute": 20, "second": 9}
